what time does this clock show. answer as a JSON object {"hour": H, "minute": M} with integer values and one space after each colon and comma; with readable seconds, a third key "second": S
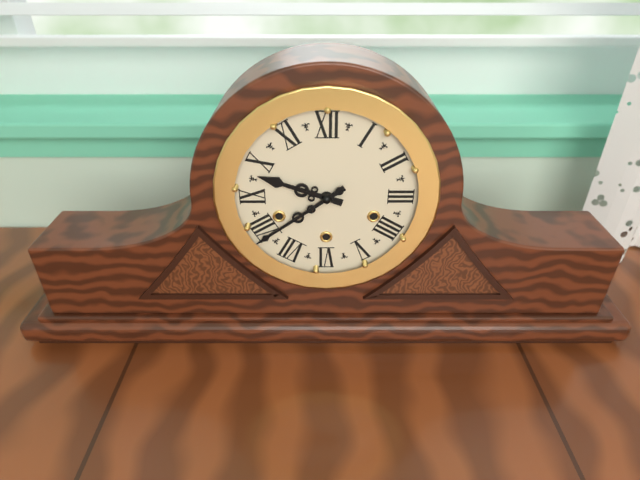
{"hour": 9, "minute": 39}
